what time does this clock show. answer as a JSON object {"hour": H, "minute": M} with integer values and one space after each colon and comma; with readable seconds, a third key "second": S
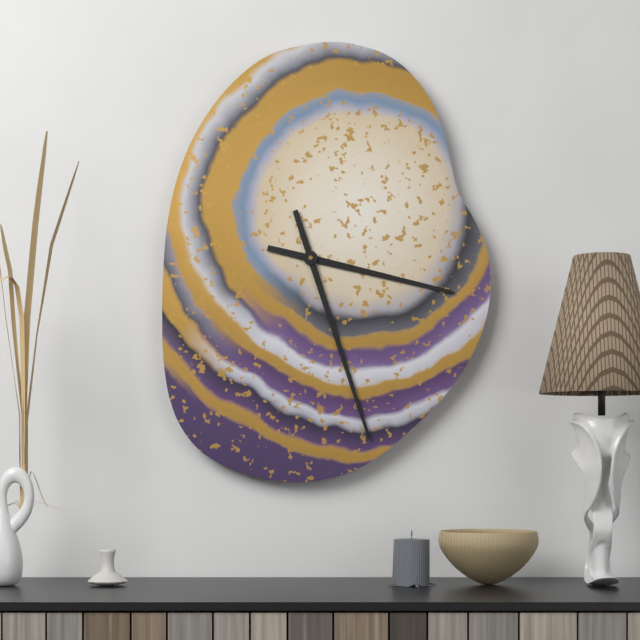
{"hour": 3, "minute": 27}
